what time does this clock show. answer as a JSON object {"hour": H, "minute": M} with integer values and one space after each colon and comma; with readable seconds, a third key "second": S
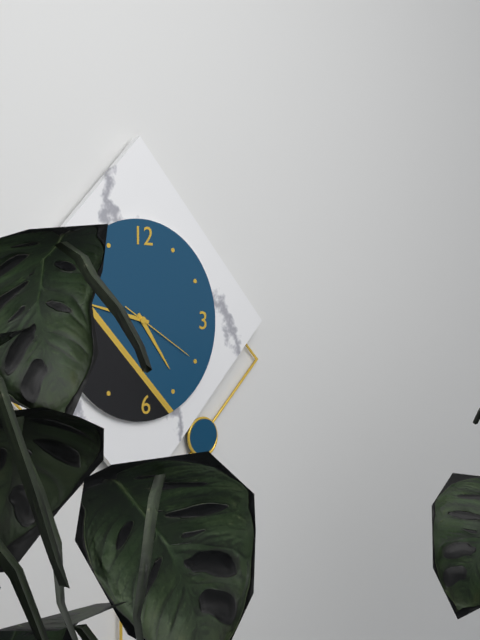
{"hour": 4, "minute": 47, "second": 20}
